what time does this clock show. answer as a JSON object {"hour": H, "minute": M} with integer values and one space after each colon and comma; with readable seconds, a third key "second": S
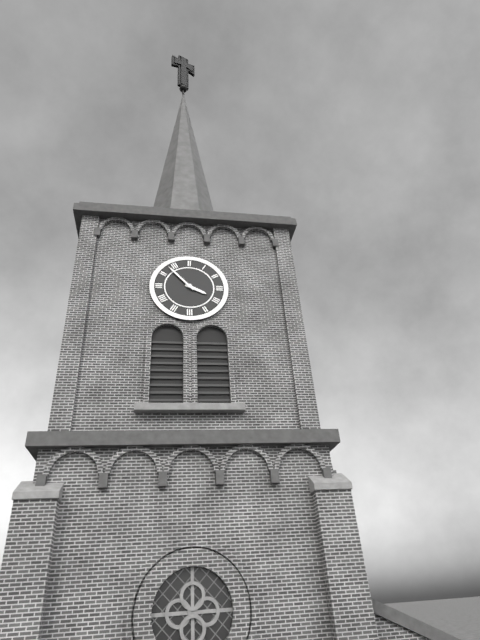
{"hour": 3, "minute": 53}
